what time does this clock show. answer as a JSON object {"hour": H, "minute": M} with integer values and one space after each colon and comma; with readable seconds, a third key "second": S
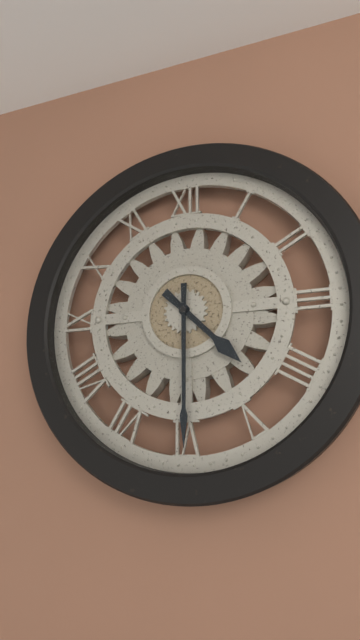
{"hour": 4, "minute": 30}
